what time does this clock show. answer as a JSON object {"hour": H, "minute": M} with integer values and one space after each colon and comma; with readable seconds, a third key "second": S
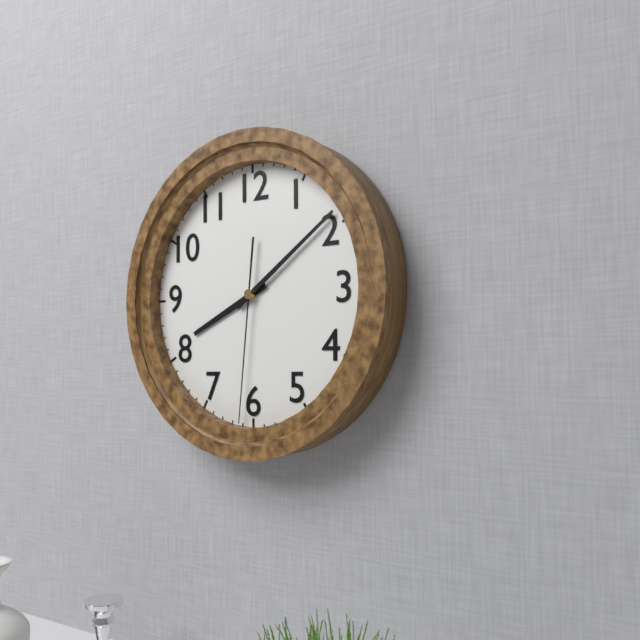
{"hour": 8, "minute": 9, "second": 31}
